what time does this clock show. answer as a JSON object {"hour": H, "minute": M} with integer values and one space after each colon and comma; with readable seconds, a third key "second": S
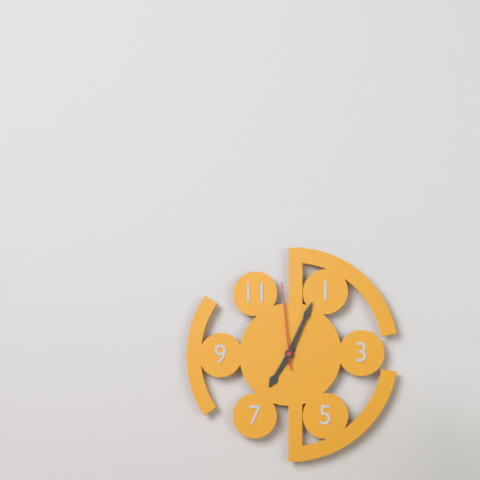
{"hour": 7, "minute": 4, "second": 59}
